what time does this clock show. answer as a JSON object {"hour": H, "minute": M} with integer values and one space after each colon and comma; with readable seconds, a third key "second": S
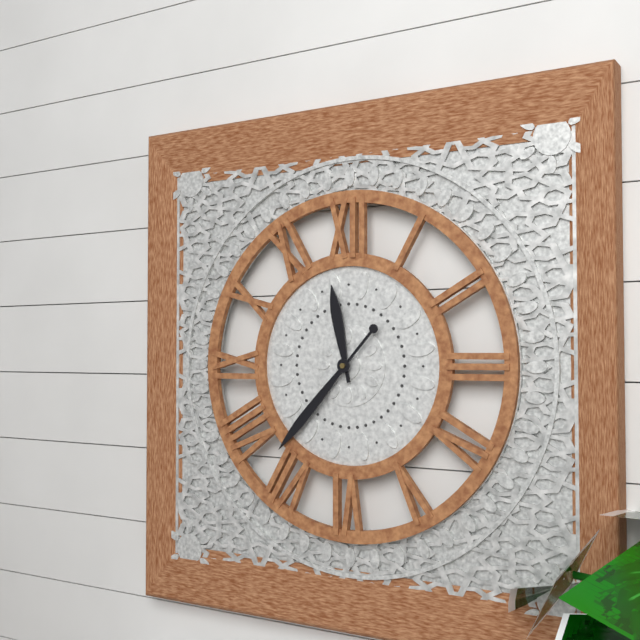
{"hour": 11, "minute": 37}
